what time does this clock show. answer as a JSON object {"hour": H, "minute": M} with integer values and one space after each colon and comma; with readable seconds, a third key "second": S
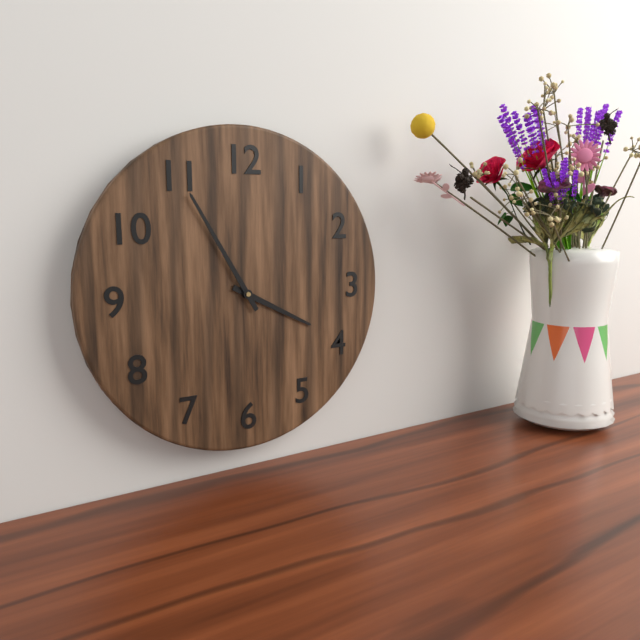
{"hour": 3, "minute": 55}
